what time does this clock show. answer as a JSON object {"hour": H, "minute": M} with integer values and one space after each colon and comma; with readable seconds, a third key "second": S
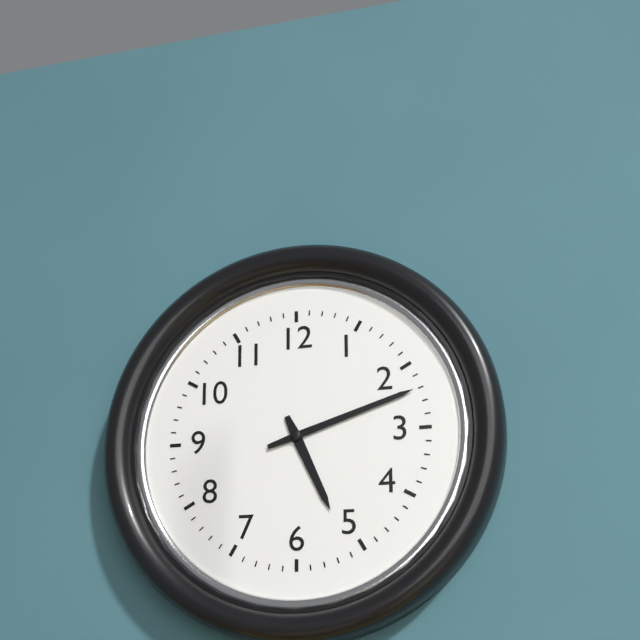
{"hour": 5, "minute": 12}
